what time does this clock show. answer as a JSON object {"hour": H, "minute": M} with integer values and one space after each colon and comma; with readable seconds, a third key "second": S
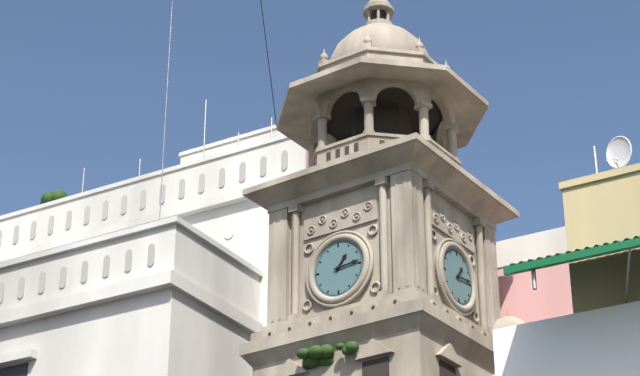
{"hour": 1, "minute": 14}
